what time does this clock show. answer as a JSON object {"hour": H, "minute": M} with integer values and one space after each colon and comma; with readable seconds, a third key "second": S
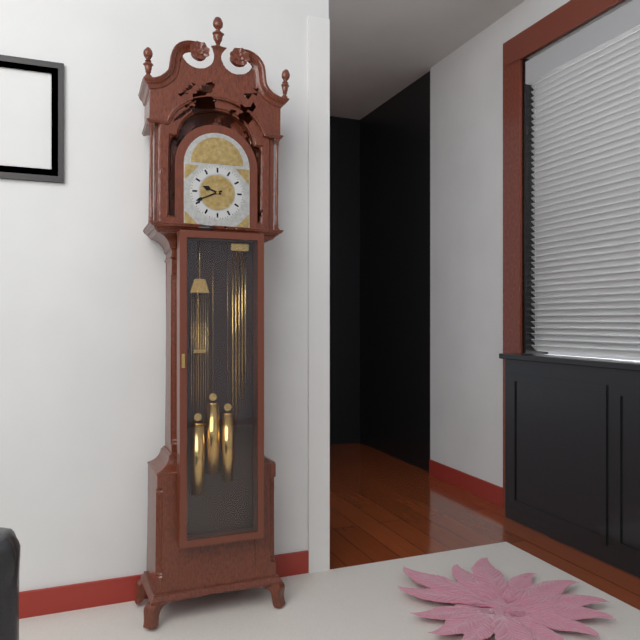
{"hour": 9, "minute": 41}
